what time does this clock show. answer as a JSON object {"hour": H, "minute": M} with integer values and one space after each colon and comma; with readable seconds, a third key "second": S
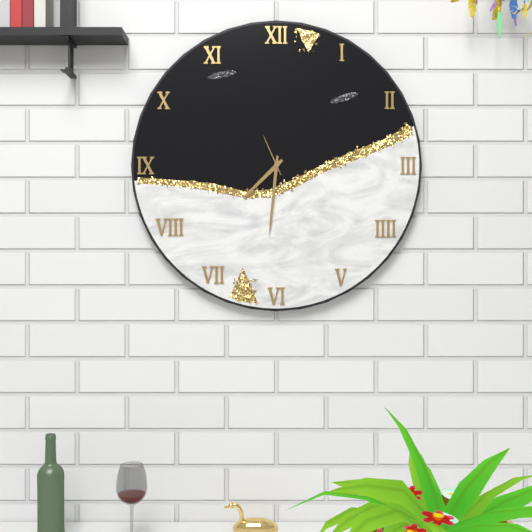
{"hour": 7, "minute": 31}
